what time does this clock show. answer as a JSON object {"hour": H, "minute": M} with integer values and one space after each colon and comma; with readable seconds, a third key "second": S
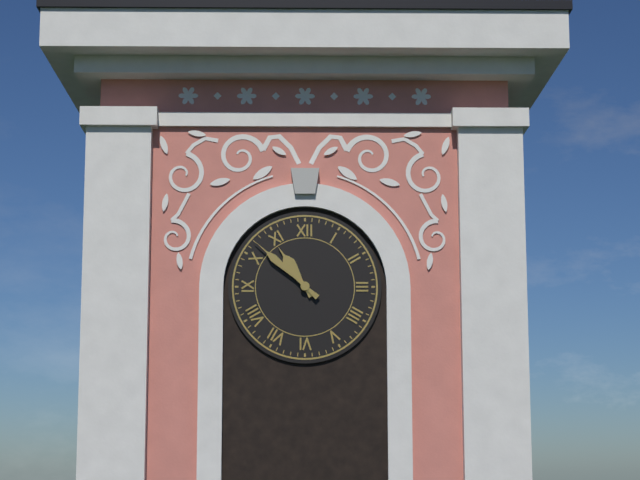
{"hour": 10, "minute": 52}
